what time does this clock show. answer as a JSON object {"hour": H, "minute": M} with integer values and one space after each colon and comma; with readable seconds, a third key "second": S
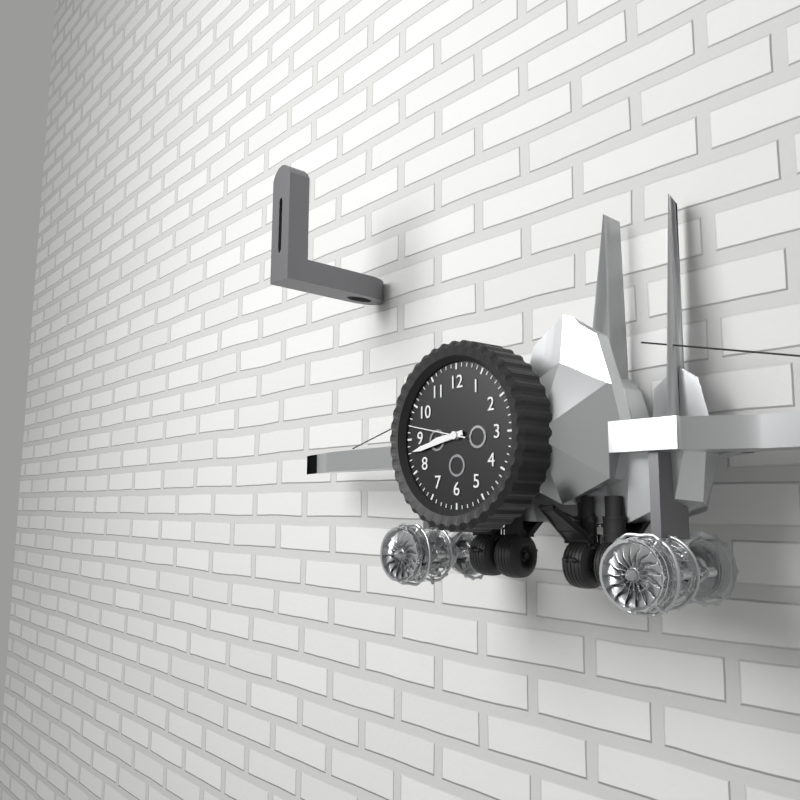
{"hour": 8, "minute": 43, "second": 47}
